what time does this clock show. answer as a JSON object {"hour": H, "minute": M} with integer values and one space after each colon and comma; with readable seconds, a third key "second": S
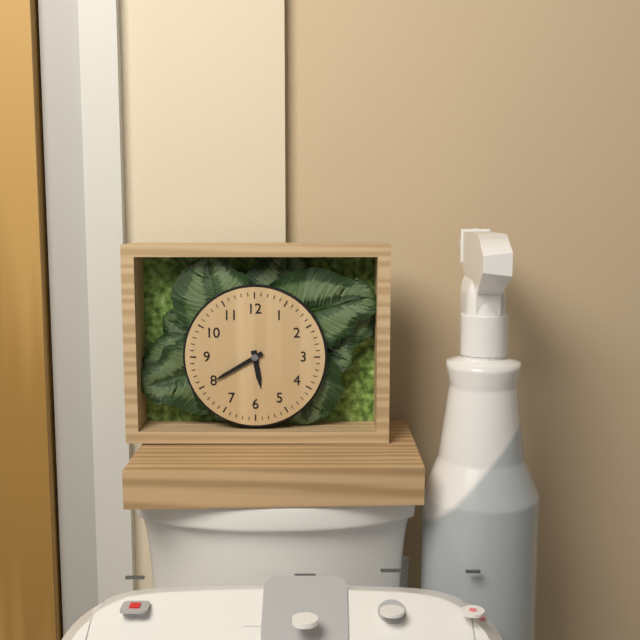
{"hour": 5, "minute": 40}
